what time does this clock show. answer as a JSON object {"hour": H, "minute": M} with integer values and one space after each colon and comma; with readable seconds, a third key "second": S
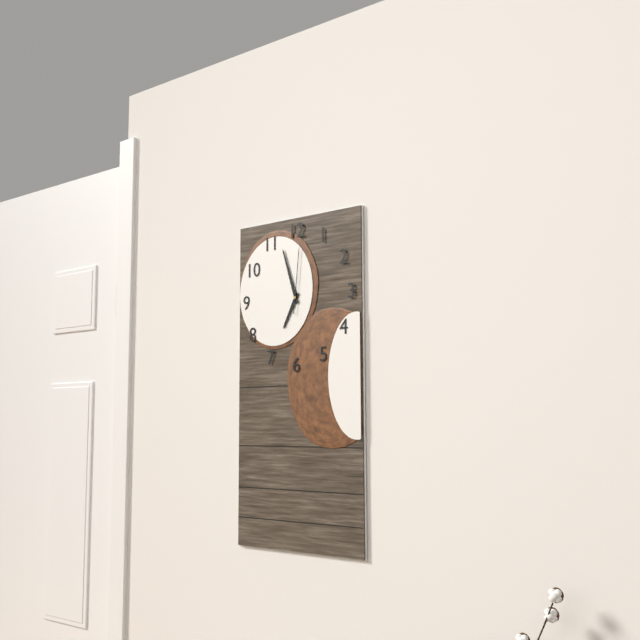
{"hour": 6, "minute": 57, "second": 1}
